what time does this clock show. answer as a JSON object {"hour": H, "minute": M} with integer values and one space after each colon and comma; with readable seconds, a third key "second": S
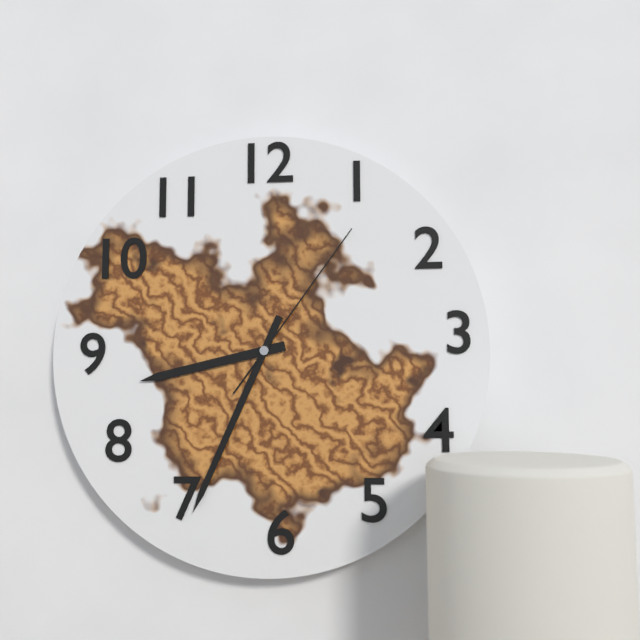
{"hour": 8, "minute": 34, "second": 6}
